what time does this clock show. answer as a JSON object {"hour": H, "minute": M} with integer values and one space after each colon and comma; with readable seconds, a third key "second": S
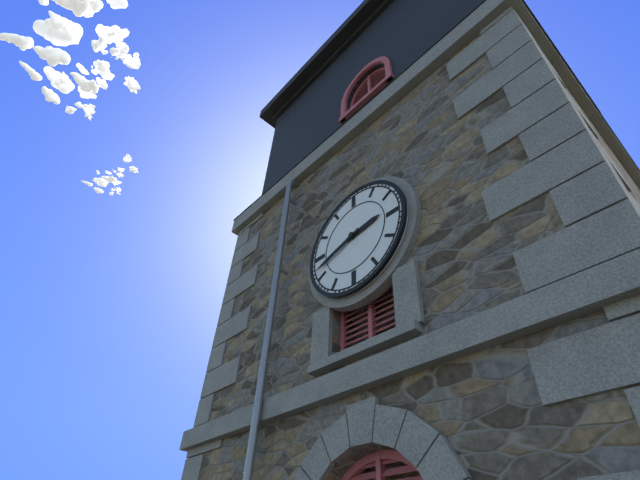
{"hour": 2, "minute": 42}
